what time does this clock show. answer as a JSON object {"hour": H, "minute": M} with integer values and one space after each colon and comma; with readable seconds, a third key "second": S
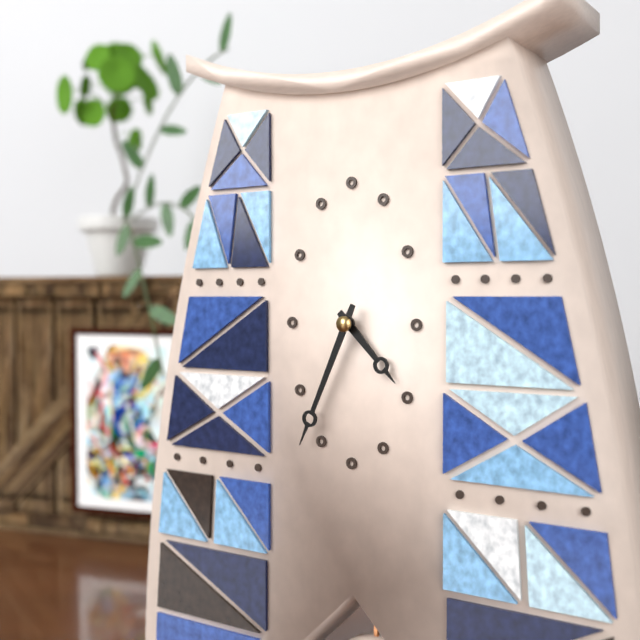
{"hour": 4, "minute": 34}
